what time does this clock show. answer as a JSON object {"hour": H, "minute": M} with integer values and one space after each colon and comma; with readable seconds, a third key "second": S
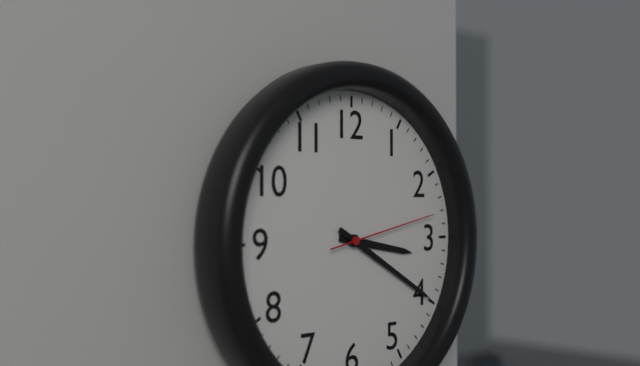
{"hour": 3, "minute": 20, "second": 13}
